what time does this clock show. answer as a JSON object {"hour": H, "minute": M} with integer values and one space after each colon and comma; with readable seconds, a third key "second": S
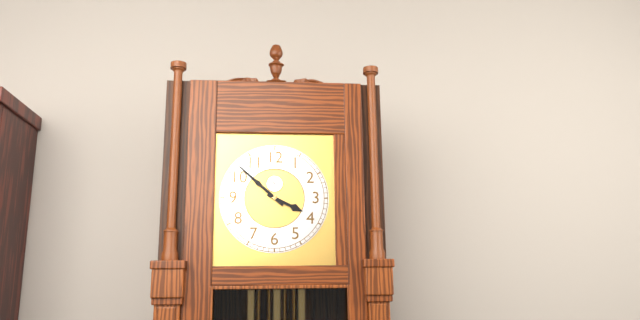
{"hour": 3, "minute": 52}
